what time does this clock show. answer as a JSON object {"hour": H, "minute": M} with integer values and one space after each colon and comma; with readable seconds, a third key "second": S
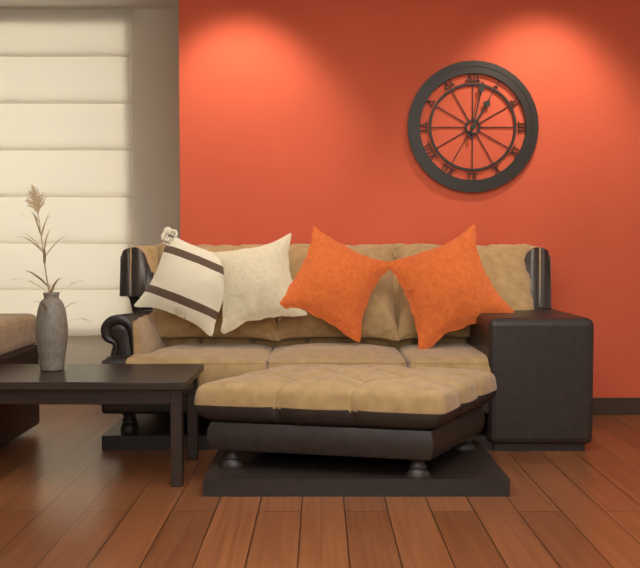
{"hour": 1, "minute": 2}
